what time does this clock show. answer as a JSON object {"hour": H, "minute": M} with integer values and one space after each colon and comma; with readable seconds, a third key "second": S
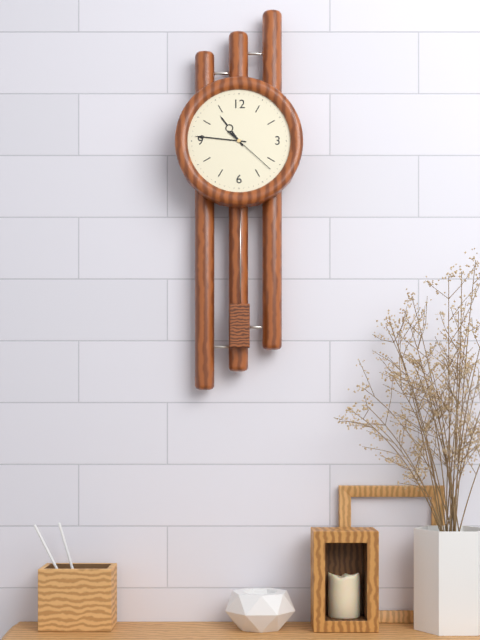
{"hour": 10, "minute": 46, "second": 22}
